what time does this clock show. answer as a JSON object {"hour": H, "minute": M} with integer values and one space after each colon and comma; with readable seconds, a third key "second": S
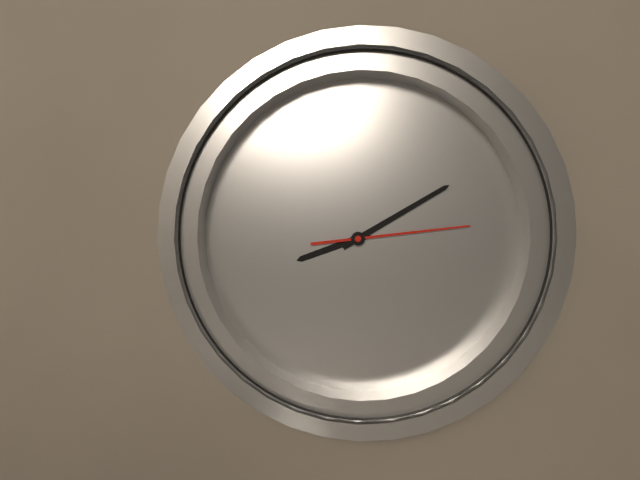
{"hour": 8, "minute": 9, "second": 13}
